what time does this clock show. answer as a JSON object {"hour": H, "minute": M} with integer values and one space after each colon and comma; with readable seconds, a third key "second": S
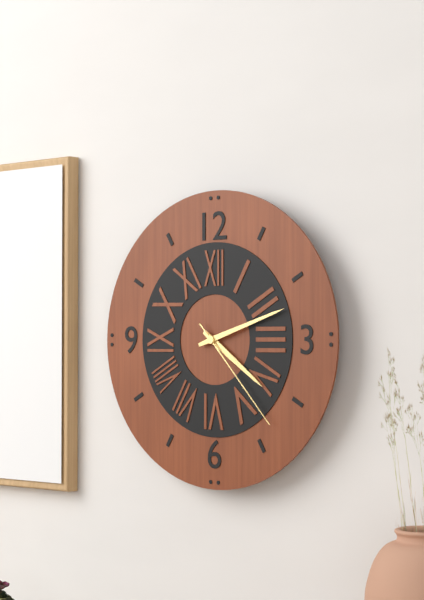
{"hour": 4, "minute": 12, "second": 23}
